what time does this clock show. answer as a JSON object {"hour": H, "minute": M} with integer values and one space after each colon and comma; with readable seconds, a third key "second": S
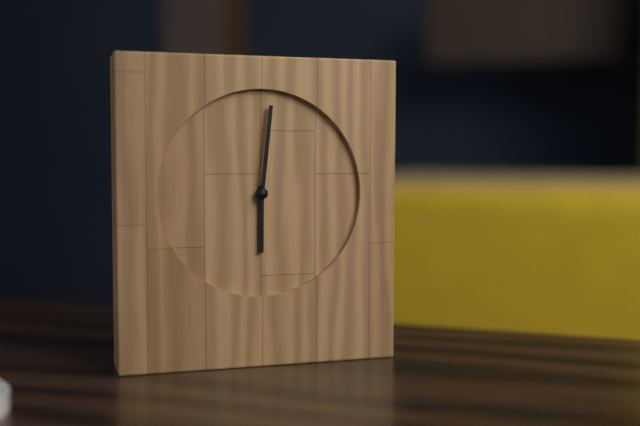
{"hour": 6, "minute": 1}
